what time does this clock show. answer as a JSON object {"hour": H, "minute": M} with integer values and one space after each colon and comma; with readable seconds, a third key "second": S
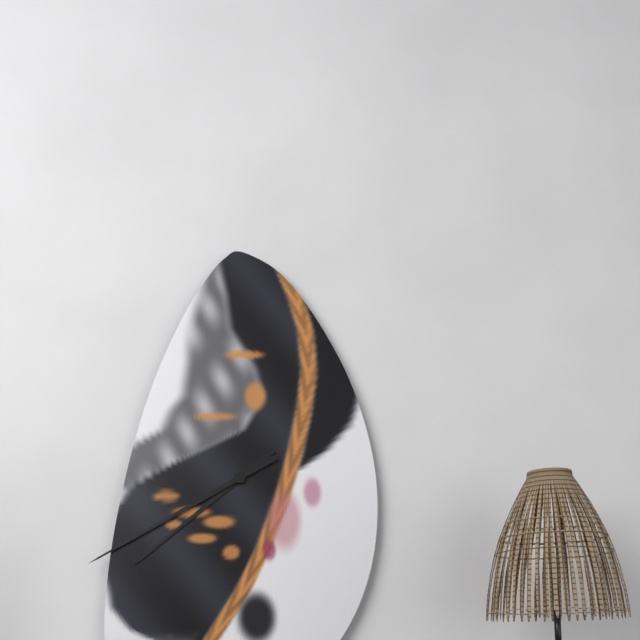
{"hour": 7, "minute": 40}
